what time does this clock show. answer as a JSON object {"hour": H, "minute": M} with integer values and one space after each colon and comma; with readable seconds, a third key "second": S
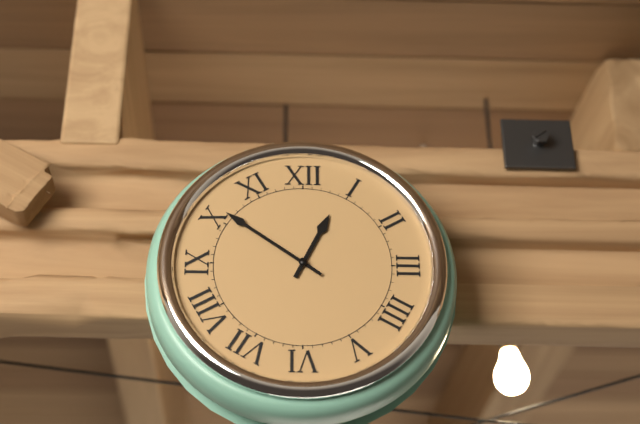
{"hour": 12, "minute": 51}
